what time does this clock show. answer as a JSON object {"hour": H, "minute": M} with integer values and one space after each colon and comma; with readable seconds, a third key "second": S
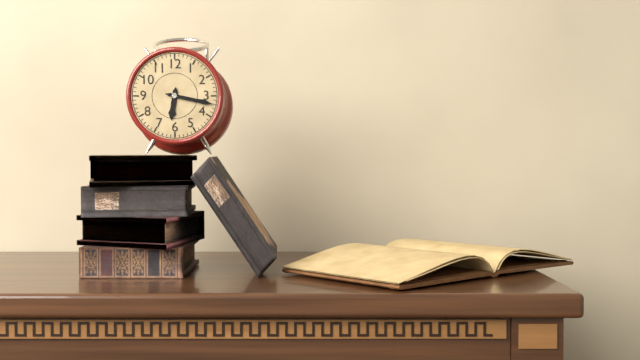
{"hour": 6, "minute": 17}
